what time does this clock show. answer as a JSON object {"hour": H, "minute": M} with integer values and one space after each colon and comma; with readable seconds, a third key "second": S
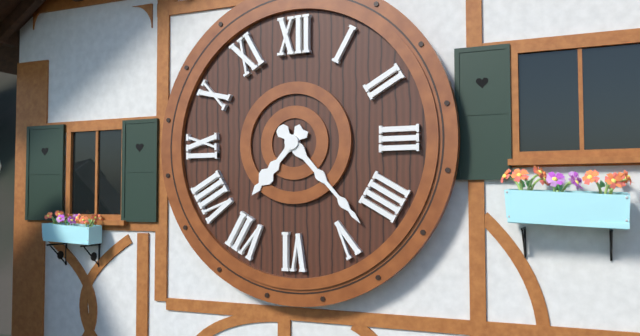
{"hour": 7, "minute": 23}
